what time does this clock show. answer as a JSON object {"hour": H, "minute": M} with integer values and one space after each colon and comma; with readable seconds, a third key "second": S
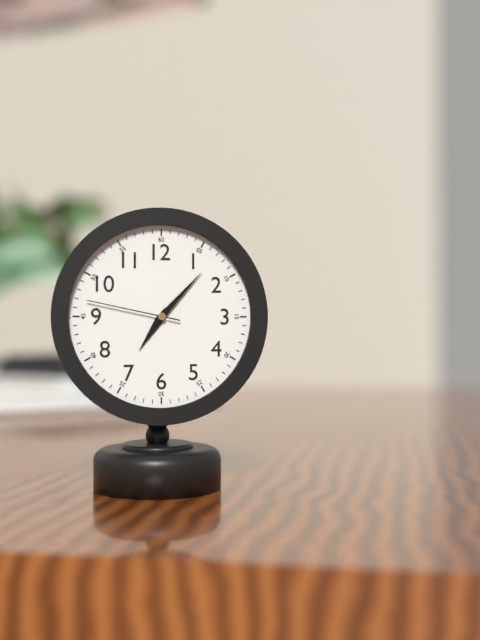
{"hour": 7, "minute": 7, "second": 47}
